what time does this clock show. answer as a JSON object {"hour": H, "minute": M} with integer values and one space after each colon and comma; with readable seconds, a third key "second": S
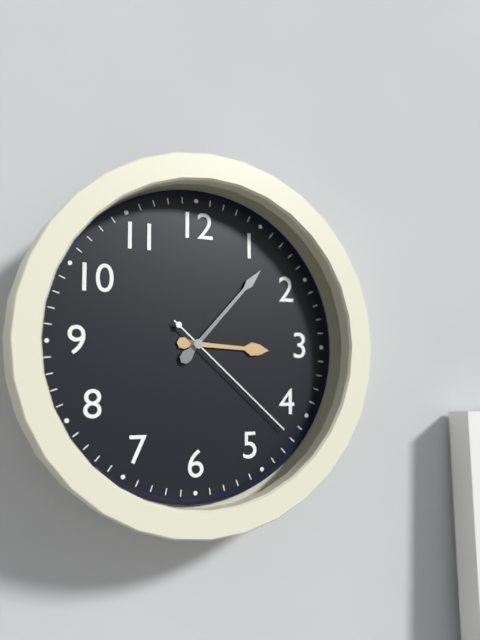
{"hour": 3, "minute": 7, "second": 22}
